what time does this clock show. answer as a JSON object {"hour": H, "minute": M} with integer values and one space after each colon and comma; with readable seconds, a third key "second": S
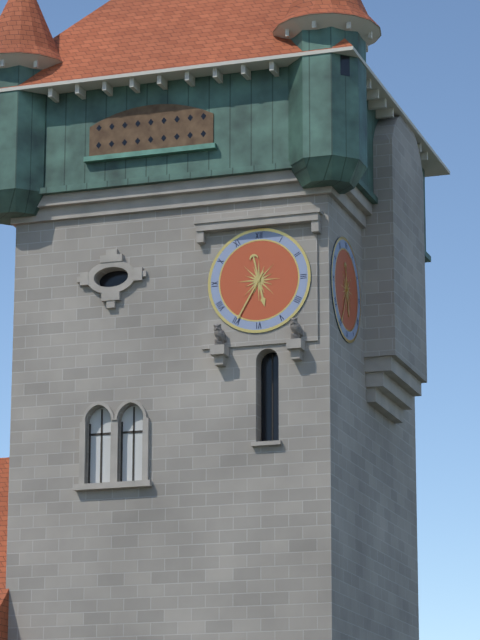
{"hour": 5, "minute": 35}
